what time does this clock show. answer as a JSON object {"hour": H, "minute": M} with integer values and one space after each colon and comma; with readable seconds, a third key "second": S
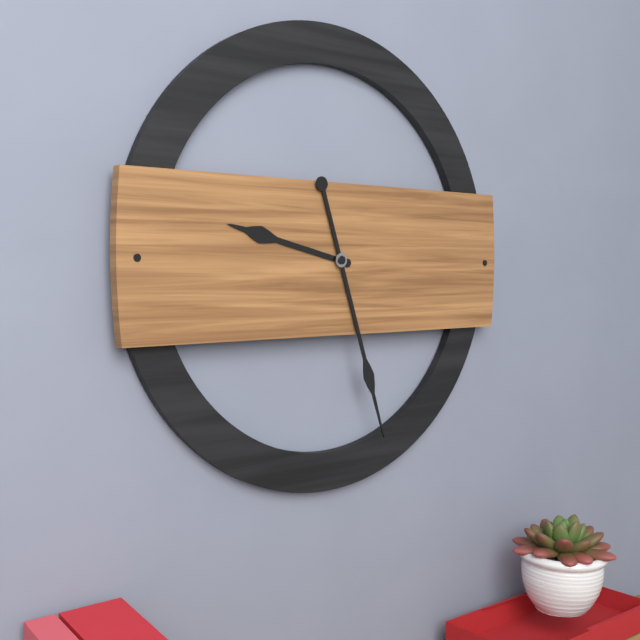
{"hour": 9, "minute": 27}
